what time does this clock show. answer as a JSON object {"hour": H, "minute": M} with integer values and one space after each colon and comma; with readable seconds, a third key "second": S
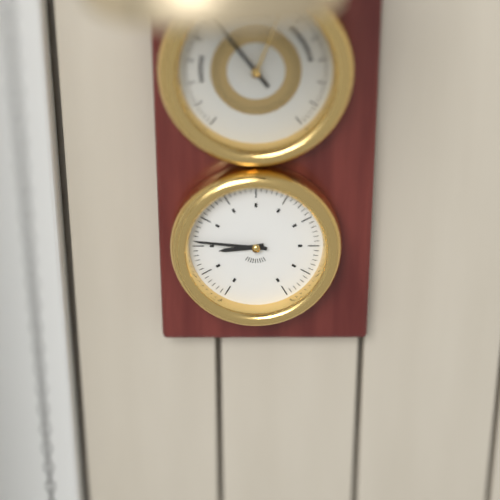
{"hour": 8, "minute": 46}
